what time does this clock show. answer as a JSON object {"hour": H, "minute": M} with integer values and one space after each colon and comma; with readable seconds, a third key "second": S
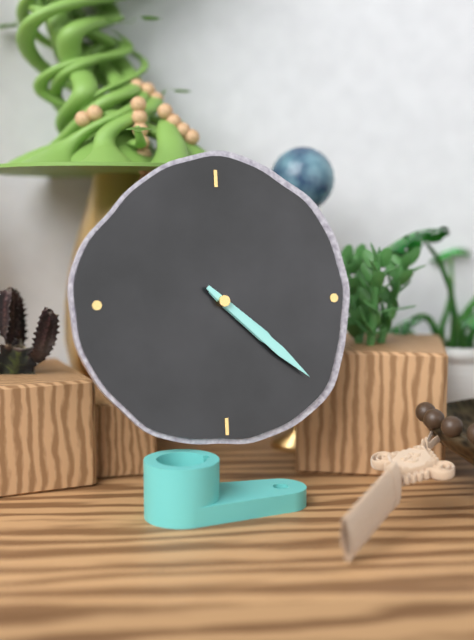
{"hour": 4, "minute": 22}
